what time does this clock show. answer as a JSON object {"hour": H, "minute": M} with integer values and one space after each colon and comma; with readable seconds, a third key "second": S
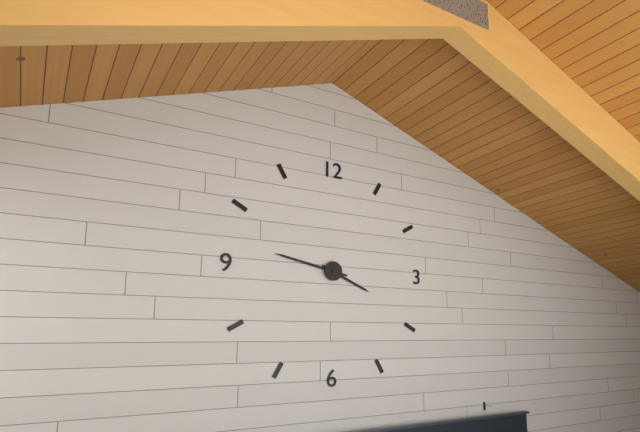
{"hour": 3, "minute": 47}
